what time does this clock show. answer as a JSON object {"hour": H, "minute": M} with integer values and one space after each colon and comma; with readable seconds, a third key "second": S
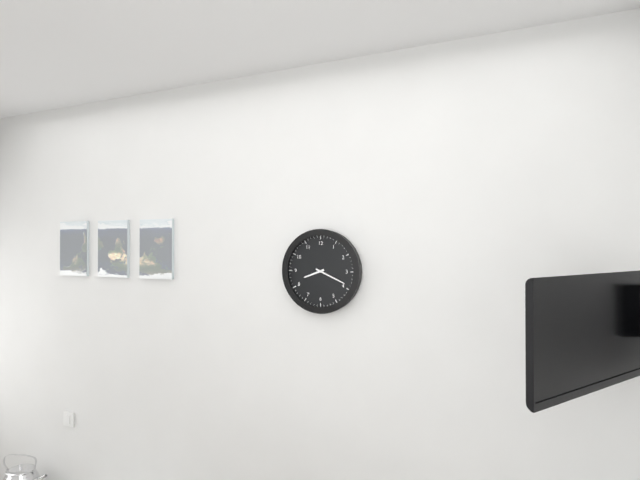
{"hour": 8, "minute": 19}
